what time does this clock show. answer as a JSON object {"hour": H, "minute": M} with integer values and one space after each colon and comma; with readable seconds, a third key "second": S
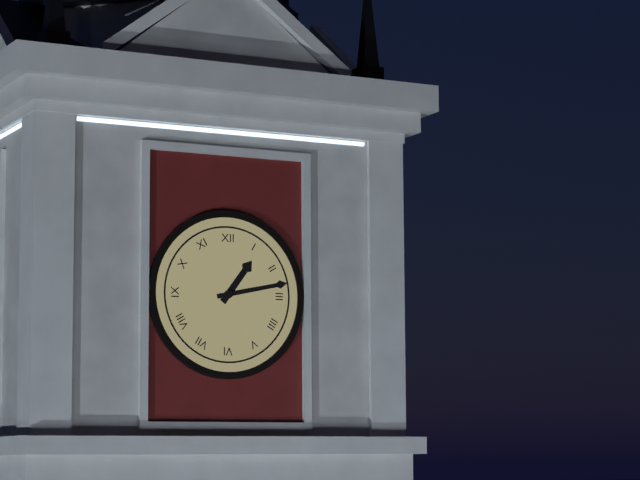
{"hour": 1, "minute": 13}
